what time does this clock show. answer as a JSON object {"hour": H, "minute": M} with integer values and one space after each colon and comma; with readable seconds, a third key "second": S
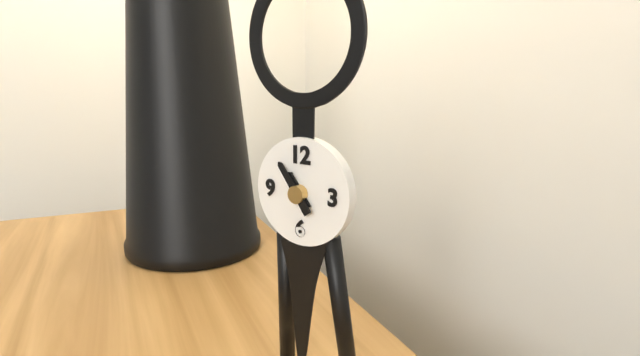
{"hour": 10, "minute": 54}
